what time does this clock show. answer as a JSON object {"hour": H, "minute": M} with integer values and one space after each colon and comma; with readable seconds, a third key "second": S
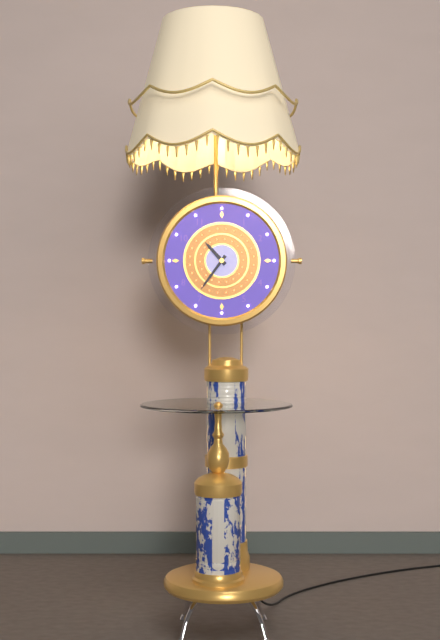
{"hour": 10, "minute": 36}
